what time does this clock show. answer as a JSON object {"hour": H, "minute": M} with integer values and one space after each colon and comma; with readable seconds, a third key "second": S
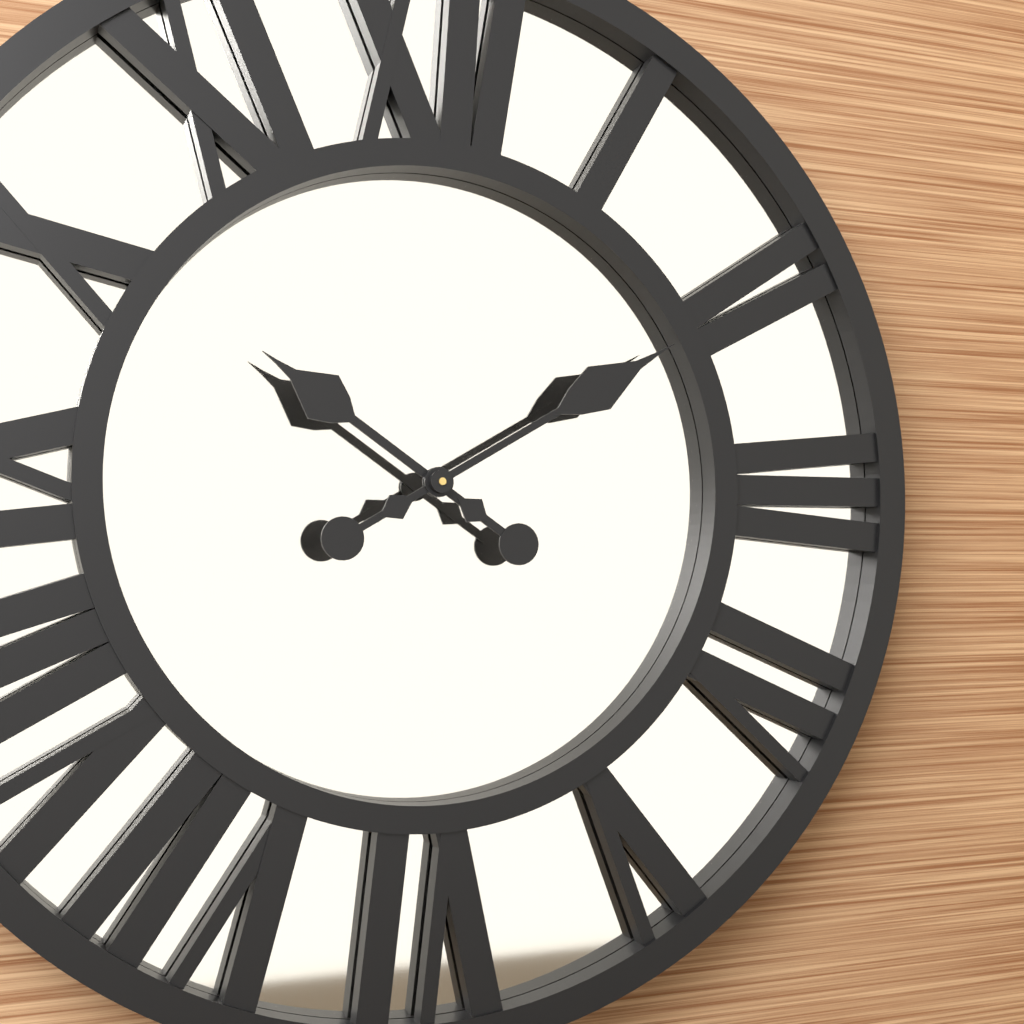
{"hour": 10, "minute": 10}
